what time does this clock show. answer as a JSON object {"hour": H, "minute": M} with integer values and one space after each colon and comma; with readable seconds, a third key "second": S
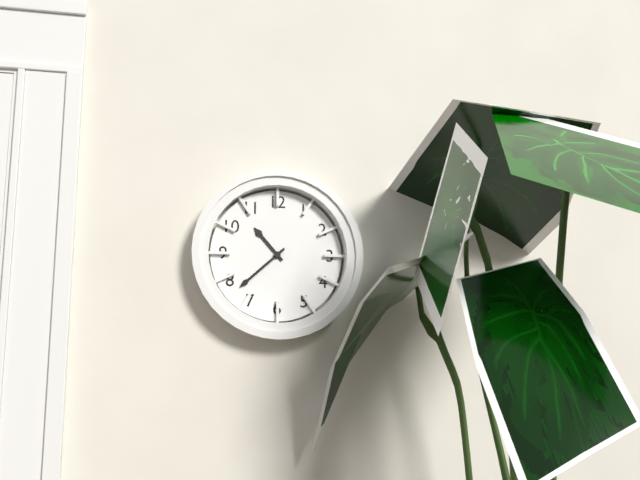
{"hour": 10, "minute": 38}
